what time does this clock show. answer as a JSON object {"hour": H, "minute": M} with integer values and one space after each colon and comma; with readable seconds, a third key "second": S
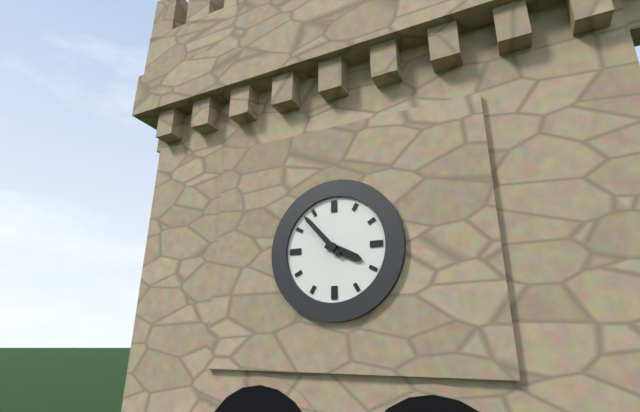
{"hour": 3, "minute": 53}
